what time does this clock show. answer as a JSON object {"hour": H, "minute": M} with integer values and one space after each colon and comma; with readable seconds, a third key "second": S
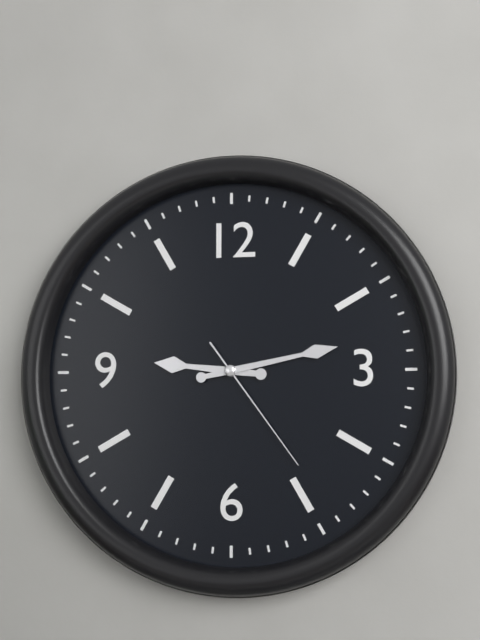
{"hour": 9, "minute": 13, "second": 24}
